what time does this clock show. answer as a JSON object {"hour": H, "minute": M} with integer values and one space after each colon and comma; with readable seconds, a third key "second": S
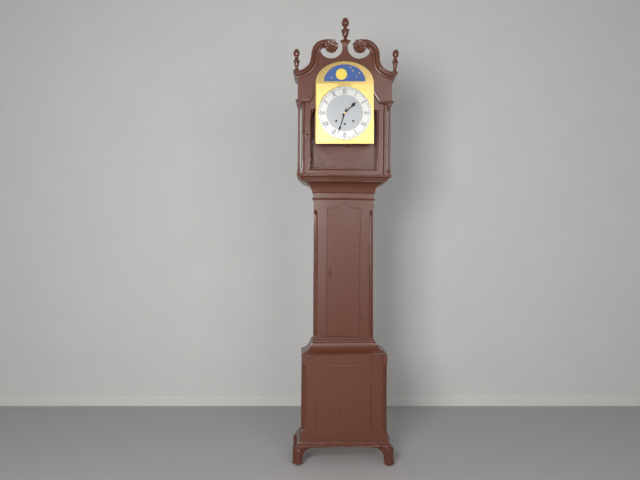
{"hour": 1, "minute": 33}
